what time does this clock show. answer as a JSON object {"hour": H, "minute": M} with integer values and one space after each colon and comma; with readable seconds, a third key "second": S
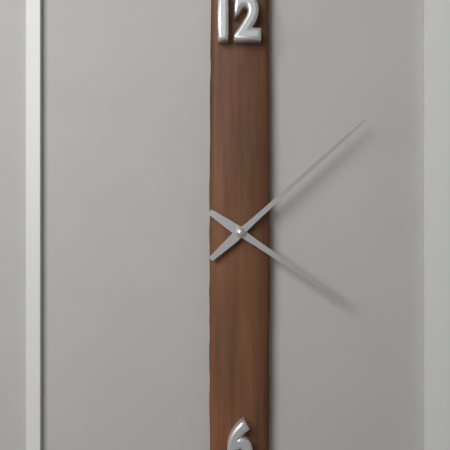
{"hour": 4, "minute": 8}
